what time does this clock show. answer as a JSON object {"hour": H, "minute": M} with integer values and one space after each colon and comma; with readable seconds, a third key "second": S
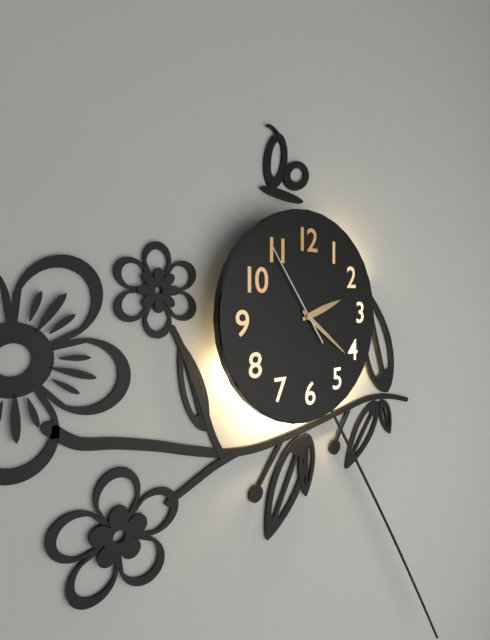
{"hour": 2, "minute": 21, "second": 54}
